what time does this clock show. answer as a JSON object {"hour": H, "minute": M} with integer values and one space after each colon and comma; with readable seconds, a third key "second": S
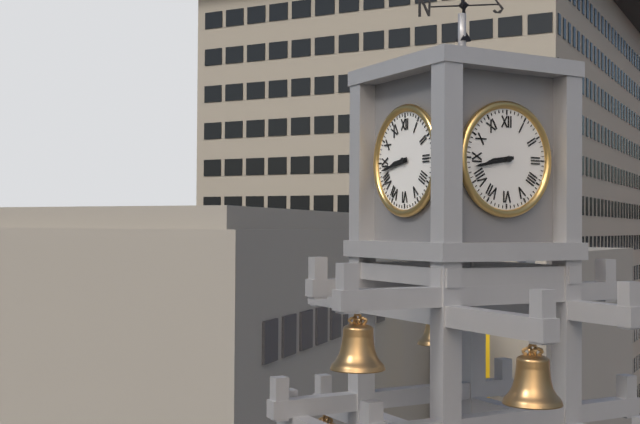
{"hour": 8, "minute": 43}
